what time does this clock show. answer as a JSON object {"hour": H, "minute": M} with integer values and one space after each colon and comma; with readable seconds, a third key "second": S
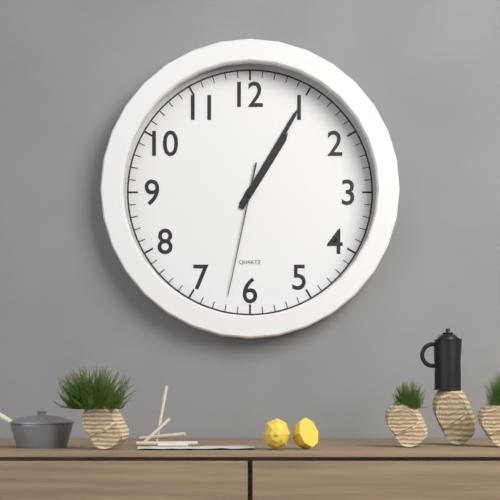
{"hour": 1, "minute": 5, "second": 32}
